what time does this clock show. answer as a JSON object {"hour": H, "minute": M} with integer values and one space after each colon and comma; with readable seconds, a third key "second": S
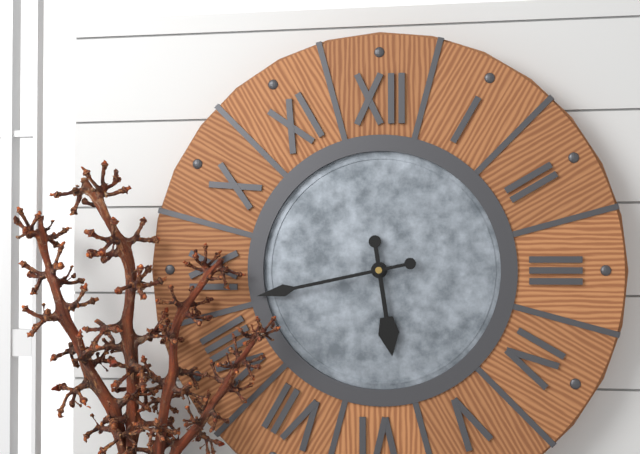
{"hour": 5, "minute": 43}
